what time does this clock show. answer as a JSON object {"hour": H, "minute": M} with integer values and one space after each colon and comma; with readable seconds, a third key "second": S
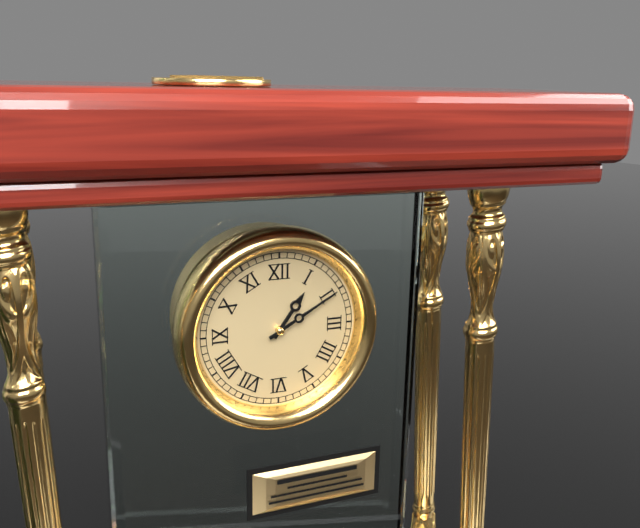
{"hour": 1, "minute": 10}
